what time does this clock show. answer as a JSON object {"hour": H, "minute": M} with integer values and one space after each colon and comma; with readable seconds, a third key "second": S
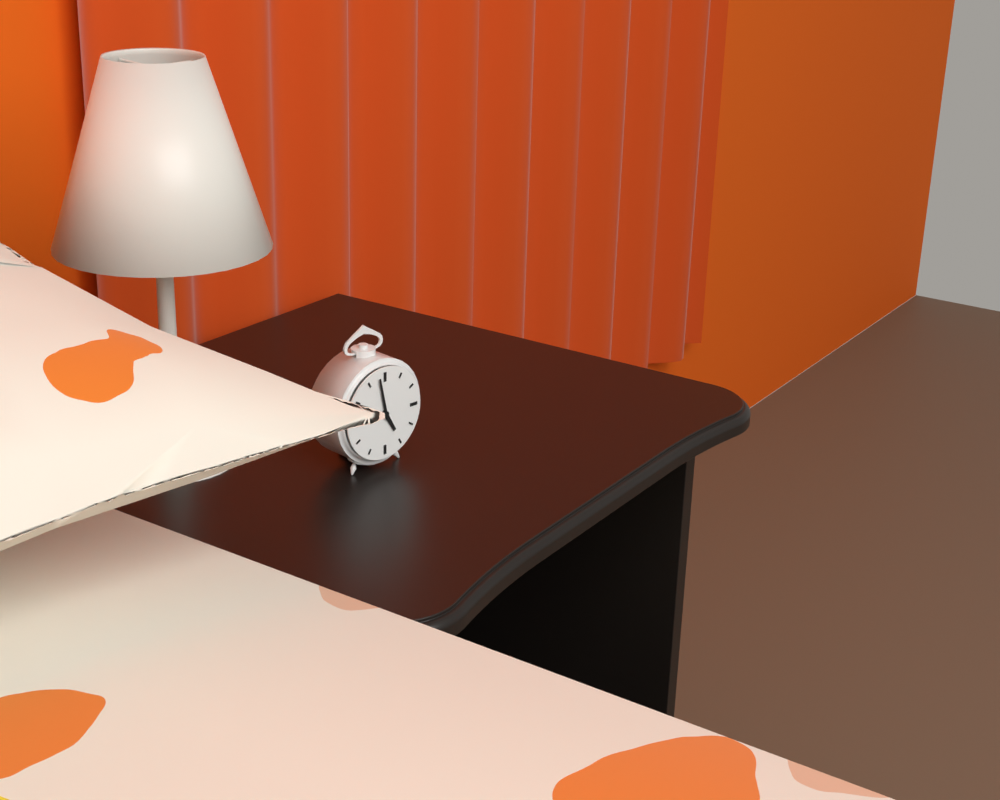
{"hour": 4, "minute": 58}
